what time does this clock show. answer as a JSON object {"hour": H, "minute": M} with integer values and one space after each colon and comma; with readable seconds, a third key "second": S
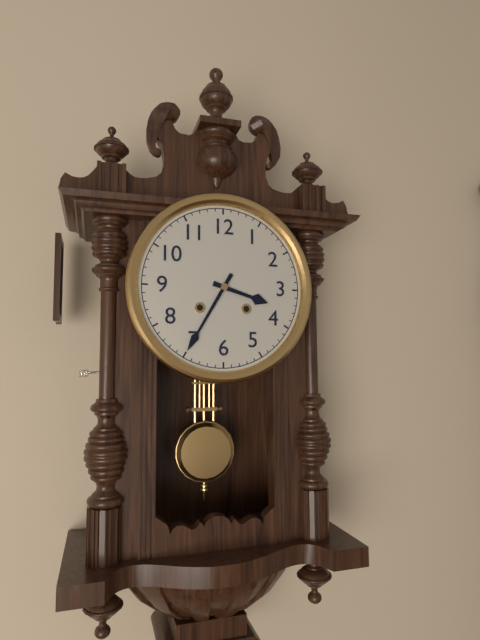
{"hour": 3, "minute": 35}
